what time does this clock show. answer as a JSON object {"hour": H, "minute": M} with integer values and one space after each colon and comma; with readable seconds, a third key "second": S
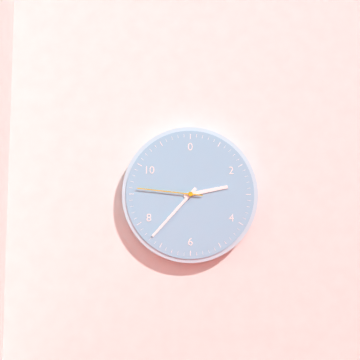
{"hour": 2, "minute": 37, "second": 46}
